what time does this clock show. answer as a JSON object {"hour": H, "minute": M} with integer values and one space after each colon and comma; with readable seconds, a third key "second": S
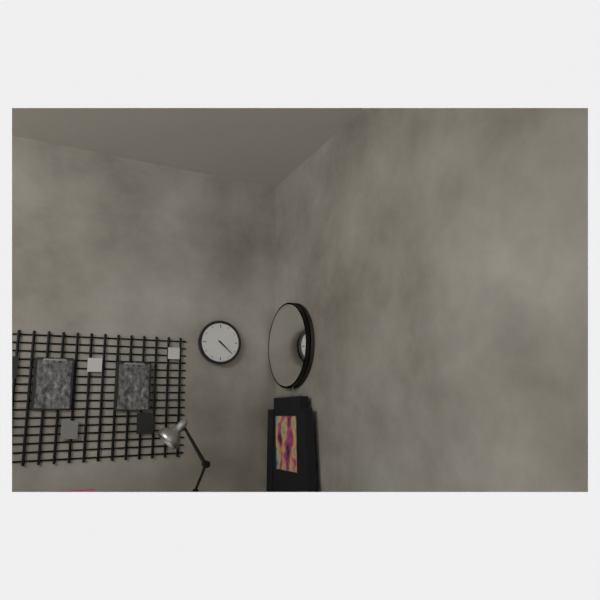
{"hour": 4, "minute": 22}
